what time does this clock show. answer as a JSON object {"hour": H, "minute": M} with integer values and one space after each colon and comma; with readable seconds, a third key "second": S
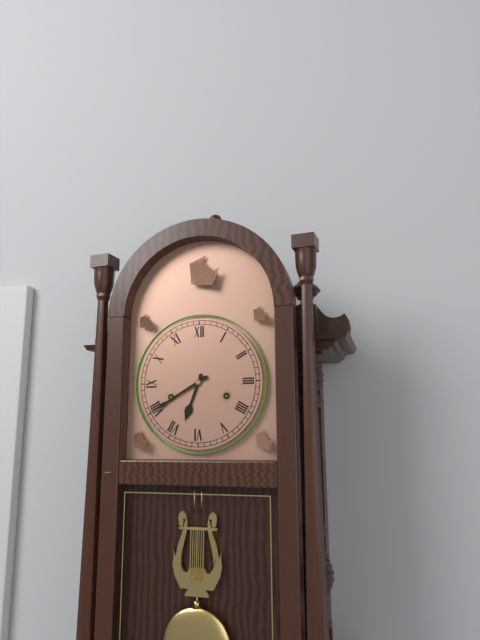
{"hour": 6, "minute": 40}
